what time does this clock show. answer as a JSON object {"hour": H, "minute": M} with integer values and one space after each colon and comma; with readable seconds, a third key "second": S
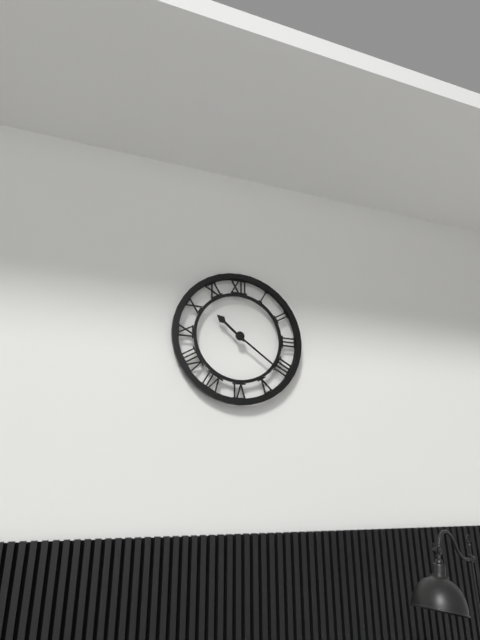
{"hour": 10, "minute": 21}
